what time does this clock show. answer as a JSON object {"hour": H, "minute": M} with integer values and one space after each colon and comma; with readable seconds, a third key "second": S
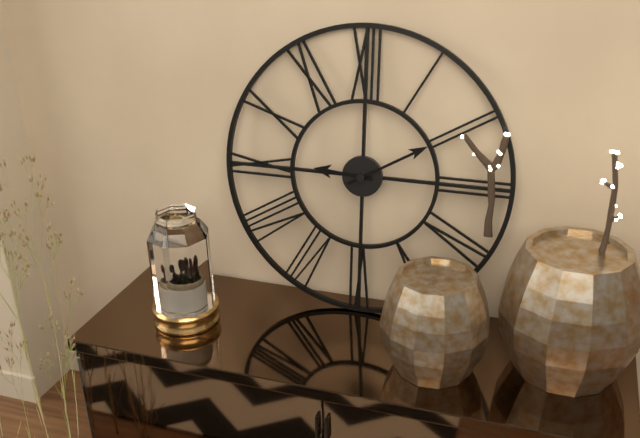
{"hour": 9, "minute": 10}
